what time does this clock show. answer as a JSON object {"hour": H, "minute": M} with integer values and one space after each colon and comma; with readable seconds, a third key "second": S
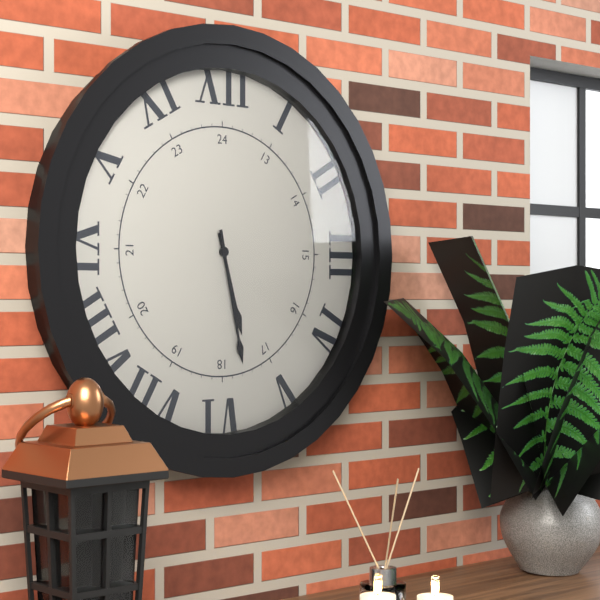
{"hour": 5, "minute": 28}
